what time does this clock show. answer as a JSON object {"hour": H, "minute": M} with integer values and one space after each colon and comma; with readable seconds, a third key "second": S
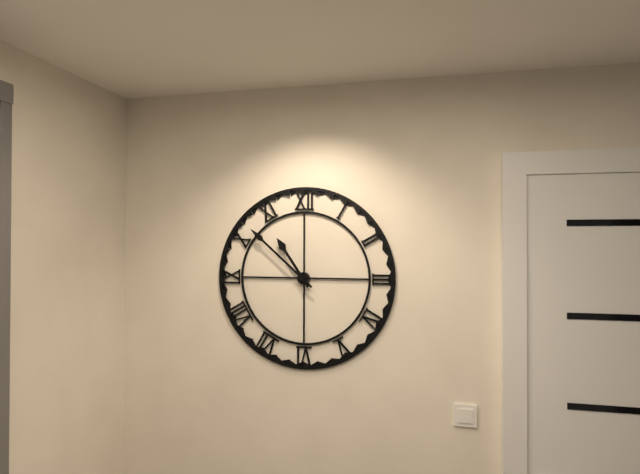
{"hour": 10, "minute": 52}
